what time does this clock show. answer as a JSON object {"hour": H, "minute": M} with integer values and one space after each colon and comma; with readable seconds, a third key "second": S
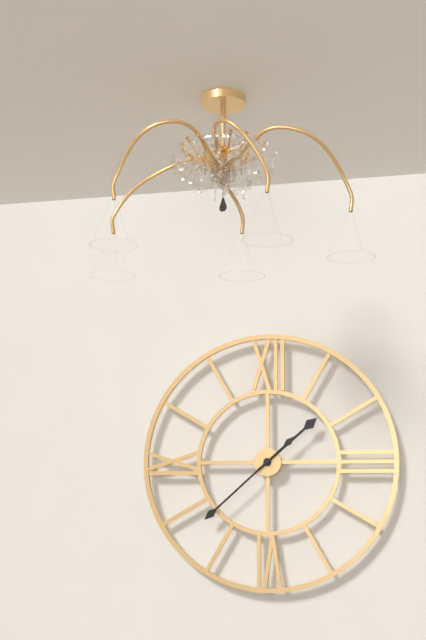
{"hour": 1, "minute": 38}
